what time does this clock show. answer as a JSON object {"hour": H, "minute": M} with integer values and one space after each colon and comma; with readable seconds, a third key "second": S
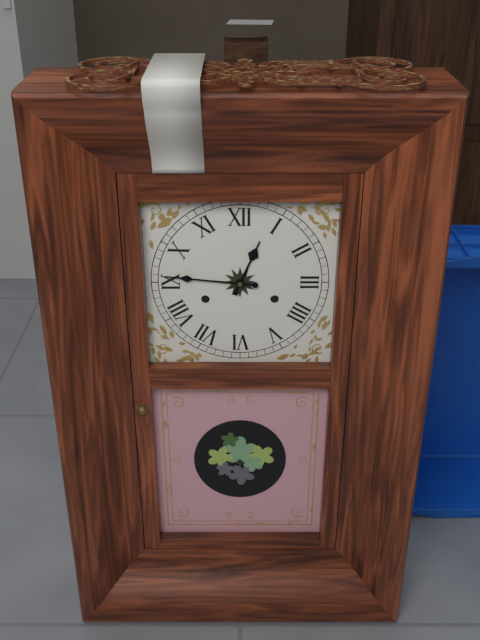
{"hour": 12, "minute": 46}
